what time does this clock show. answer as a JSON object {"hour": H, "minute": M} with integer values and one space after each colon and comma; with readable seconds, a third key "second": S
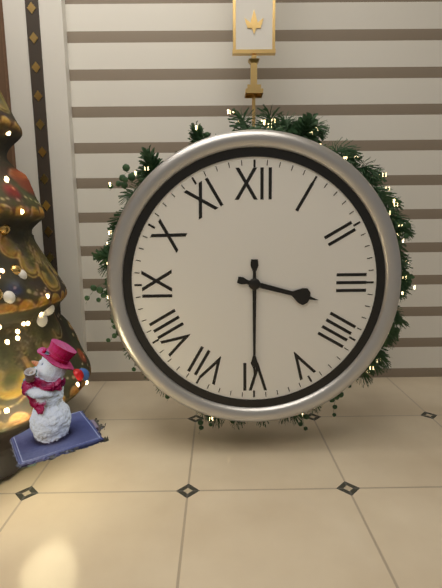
{"hour": 3, "minute": 30}
